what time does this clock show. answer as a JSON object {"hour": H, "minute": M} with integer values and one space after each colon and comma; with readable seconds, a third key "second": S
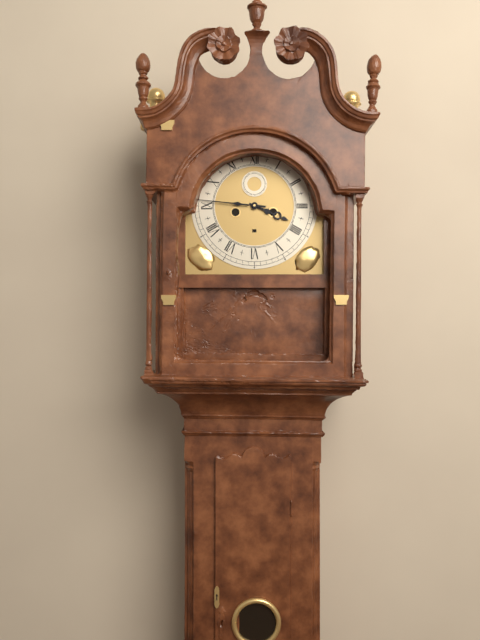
{"hour": 3, "minute": 46}
